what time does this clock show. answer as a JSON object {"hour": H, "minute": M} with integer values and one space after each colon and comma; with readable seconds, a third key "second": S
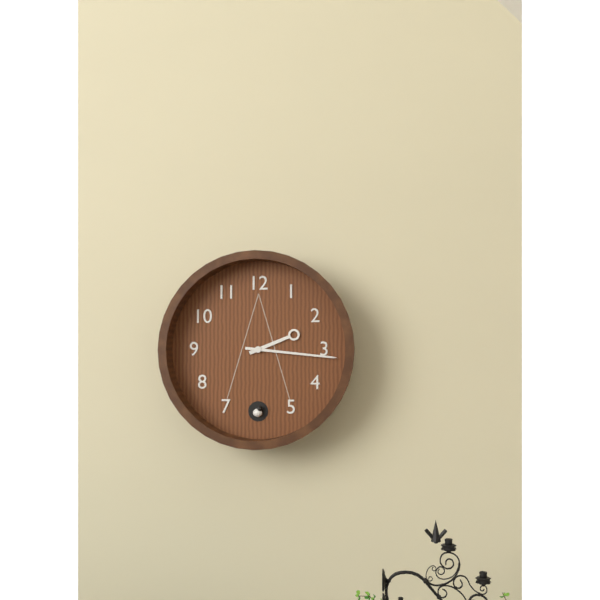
{"hour": 2, "minute": 16}
